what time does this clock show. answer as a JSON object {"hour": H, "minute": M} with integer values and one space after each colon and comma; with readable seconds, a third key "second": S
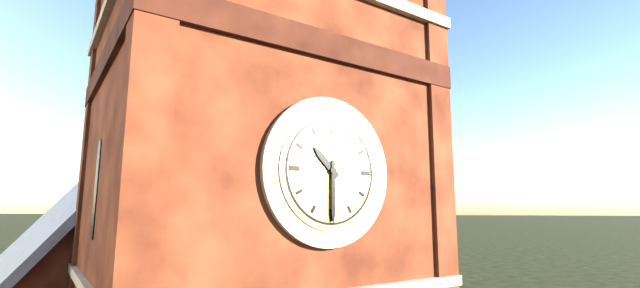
{"hour": 10, "minute": 30}
